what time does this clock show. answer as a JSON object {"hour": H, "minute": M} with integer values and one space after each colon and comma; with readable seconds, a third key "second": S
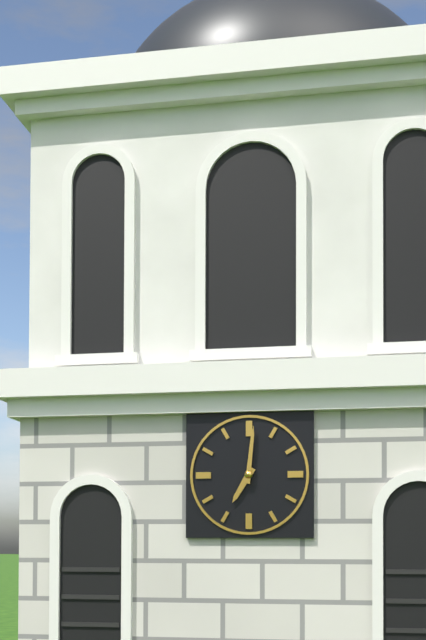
{"hour": 7, "minute": 1}
